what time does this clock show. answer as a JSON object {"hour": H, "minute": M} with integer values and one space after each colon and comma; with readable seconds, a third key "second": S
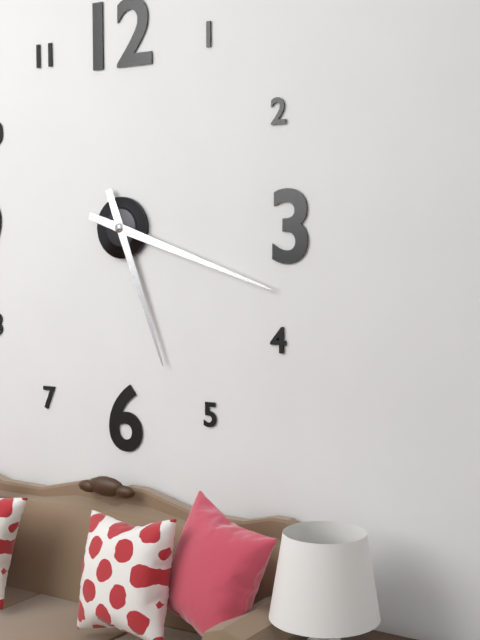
{"hour": 5, "minute": 18}
